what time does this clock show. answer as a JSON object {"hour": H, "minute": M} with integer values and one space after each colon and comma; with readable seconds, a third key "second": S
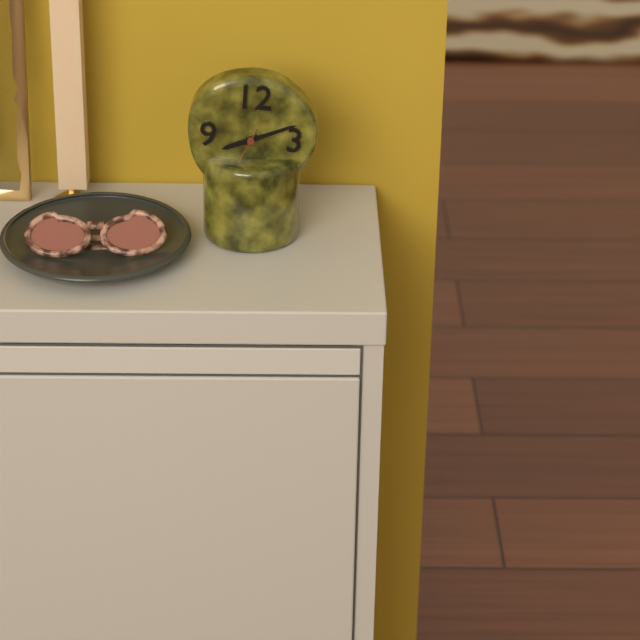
{"hour": 8, "minute": 11}
